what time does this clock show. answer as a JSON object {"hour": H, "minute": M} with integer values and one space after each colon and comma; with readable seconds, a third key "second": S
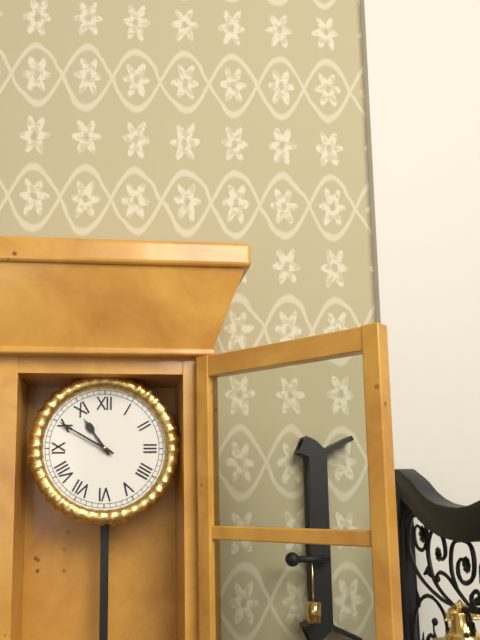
{"hour": 10, "minute": 50}
